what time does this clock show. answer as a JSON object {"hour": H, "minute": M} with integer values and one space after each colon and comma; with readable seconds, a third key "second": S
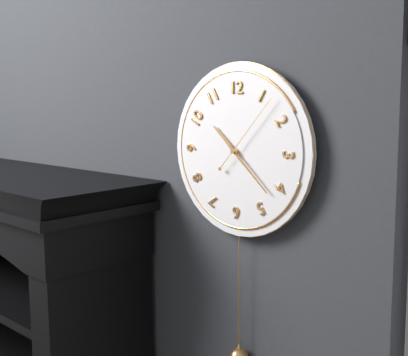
{"hour": 10, "minute": 22, "second": 7}
